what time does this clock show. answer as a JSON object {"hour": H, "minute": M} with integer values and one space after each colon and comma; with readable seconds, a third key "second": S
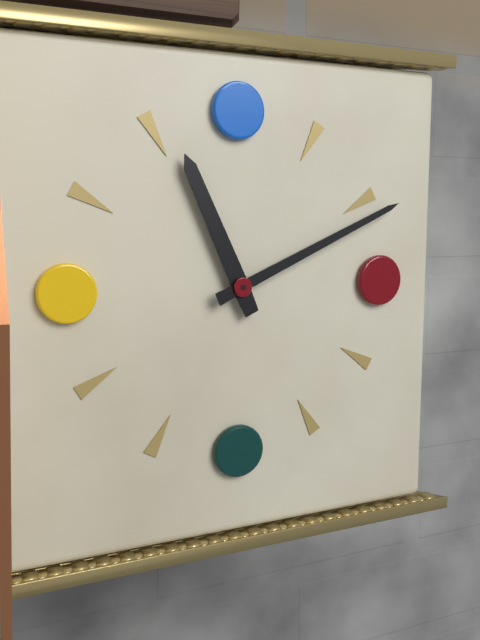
{"hour": 11, "minute": 11}
